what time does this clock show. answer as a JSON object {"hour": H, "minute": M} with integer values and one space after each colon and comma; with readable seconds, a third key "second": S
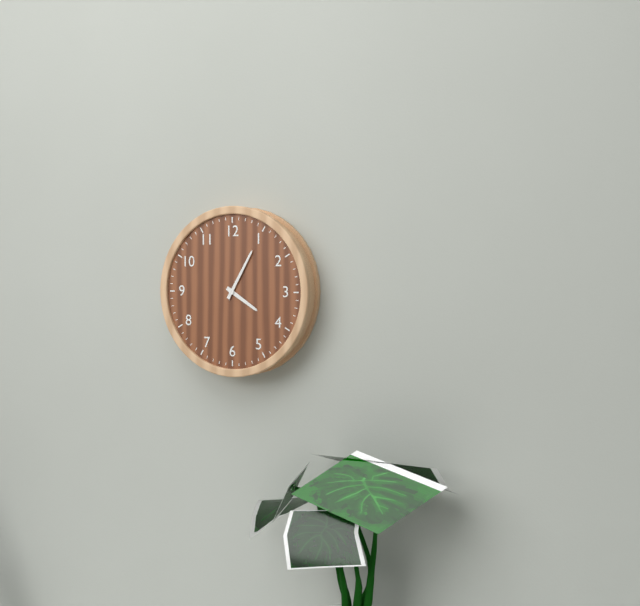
{"hour": 4, "minute": 5}
